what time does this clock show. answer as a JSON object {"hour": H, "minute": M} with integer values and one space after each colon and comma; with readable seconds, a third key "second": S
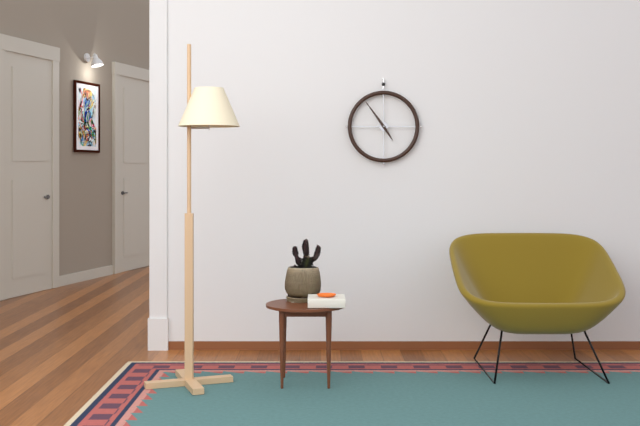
{"hour": 4, "minute": 54}
